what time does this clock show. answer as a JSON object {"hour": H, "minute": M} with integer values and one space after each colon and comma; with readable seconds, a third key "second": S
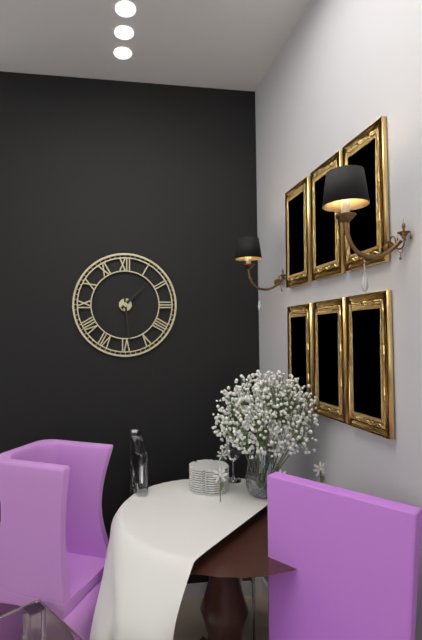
{"hour": 1, "minute": 29}
